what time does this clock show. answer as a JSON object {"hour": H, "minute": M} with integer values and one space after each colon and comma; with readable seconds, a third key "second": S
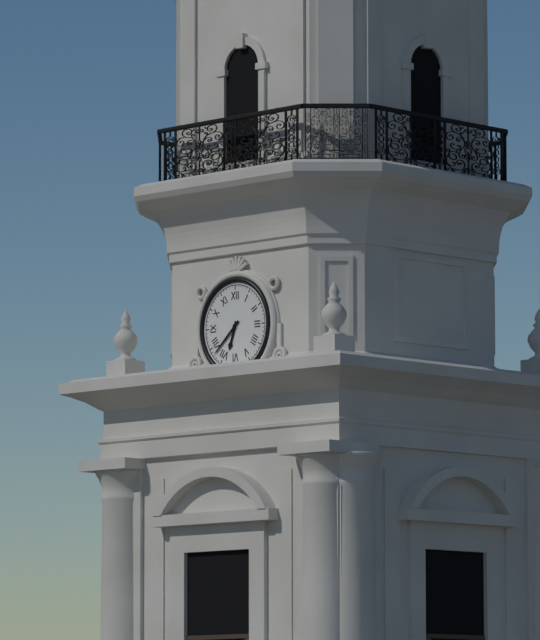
{"hour": 6, "minute": 38}
